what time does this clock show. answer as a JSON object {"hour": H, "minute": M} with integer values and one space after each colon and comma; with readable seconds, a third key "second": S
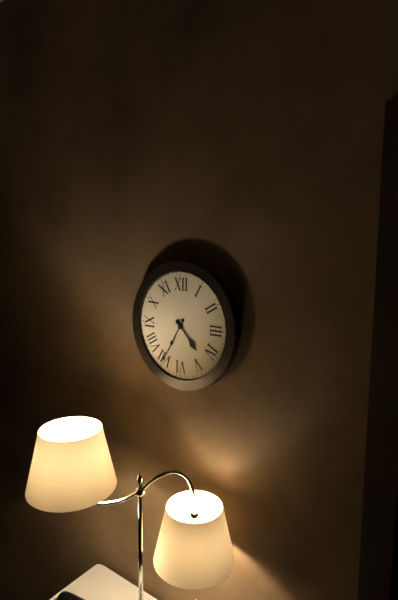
{"hour": 4, "minute": 35}
